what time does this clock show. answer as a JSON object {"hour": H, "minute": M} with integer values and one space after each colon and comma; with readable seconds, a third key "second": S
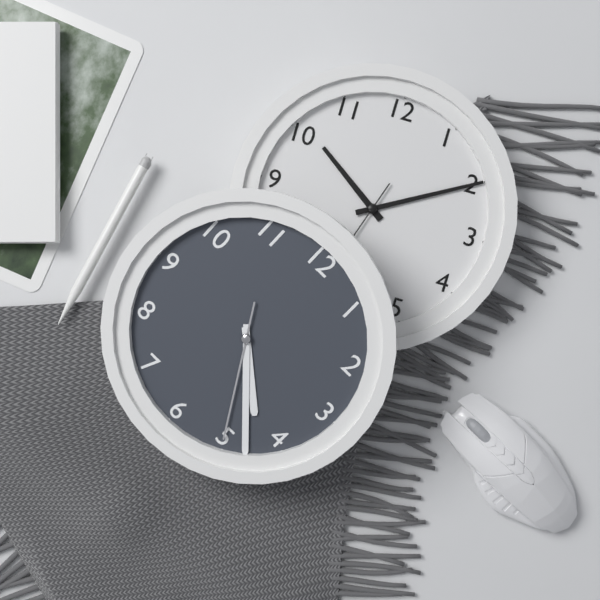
{"hour": 4, "minute": 23, "second": 25}
